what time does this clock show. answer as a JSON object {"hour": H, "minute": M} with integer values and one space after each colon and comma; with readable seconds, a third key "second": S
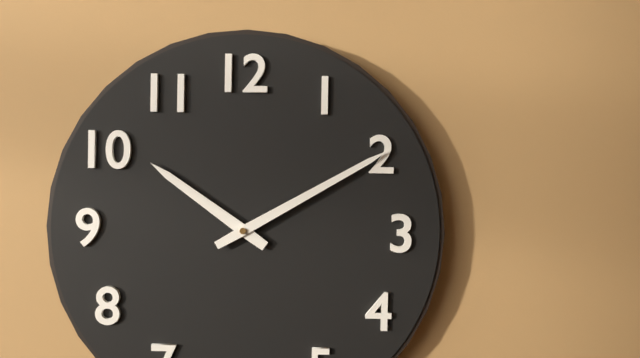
{"hour": 10, "minute": 10}
